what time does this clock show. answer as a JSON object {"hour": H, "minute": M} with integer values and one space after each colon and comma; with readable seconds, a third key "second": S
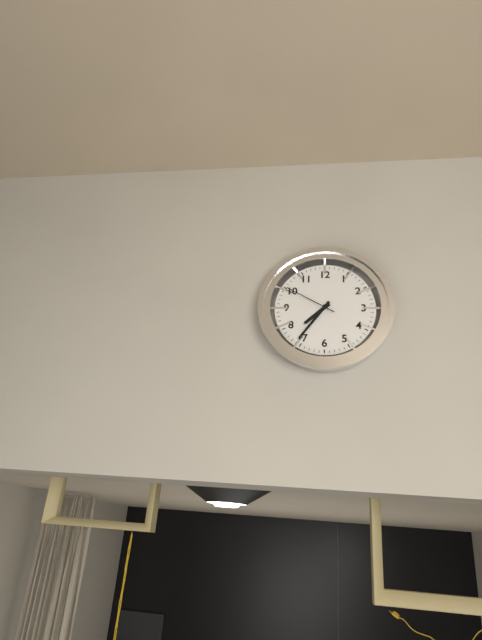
{"hour": 7, "minute": 36, "second": 50}
